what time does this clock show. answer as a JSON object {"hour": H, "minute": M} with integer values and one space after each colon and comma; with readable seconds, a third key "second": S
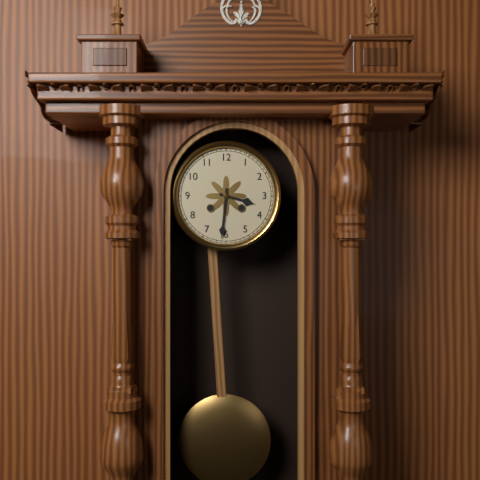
{"hour": 3, "minute": 31}
